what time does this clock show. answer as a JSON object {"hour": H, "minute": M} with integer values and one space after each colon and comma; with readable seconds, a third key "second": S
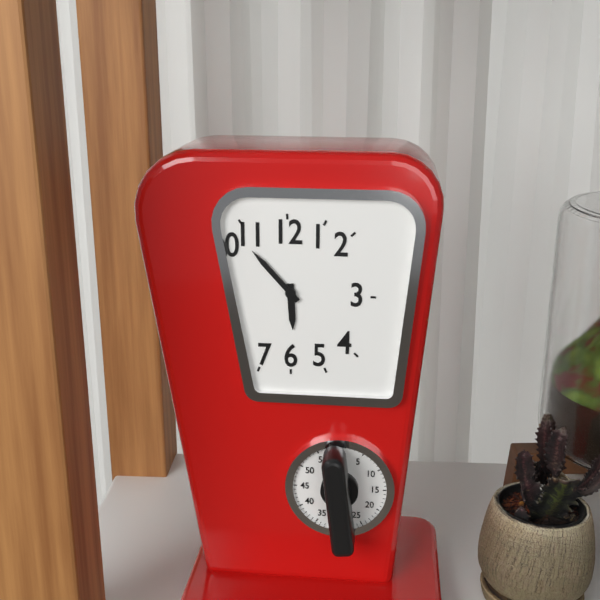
{"hour": 5, "minute": 53}
